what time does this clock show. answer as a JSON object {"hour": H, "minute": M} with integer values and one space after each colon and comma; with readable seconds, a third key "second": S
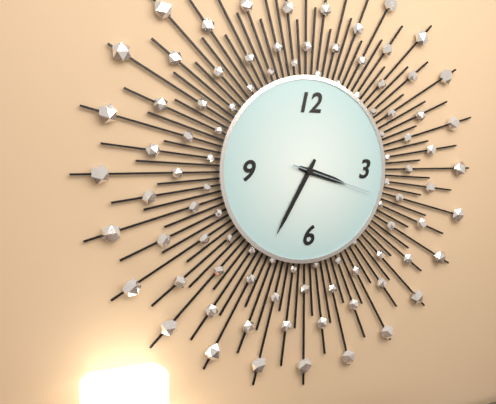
{"hour": 3, "minute": 35, "second": 18}
